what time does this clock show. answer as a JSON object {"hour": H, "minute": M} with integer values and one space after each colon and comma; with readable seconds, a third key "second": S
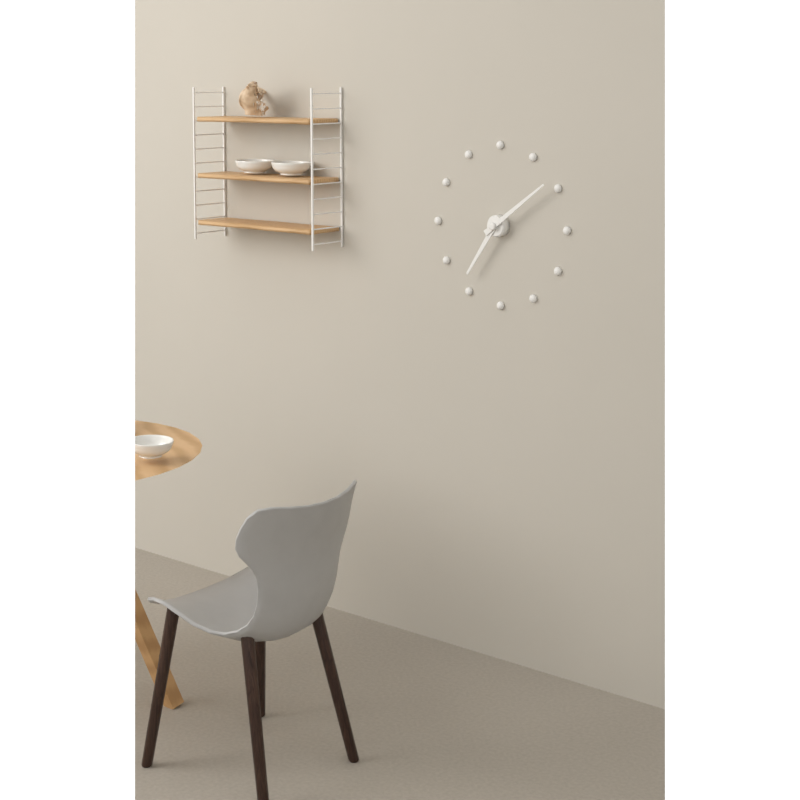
{"hour": 7, "minute": 9}
